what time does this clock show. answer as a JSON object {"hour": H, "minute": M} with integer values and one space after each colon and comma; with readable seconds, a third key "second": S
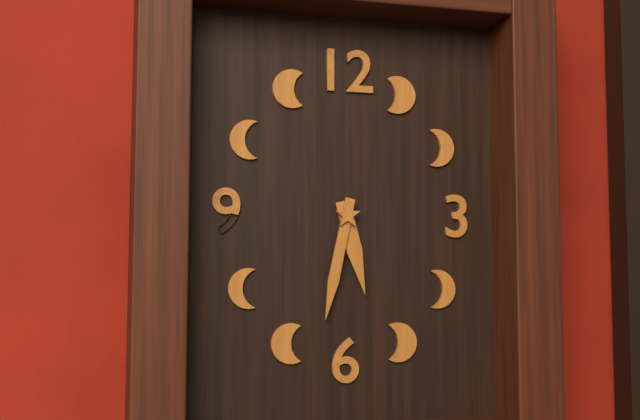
{"hour": 5, "minute": 32}
